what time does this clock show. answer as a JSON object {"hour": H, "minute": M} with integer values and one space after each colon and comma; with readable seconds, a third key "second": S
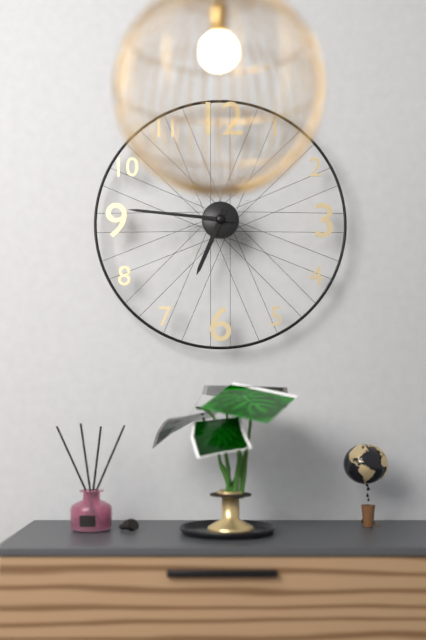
{"hour": 6, "minute": 46}
